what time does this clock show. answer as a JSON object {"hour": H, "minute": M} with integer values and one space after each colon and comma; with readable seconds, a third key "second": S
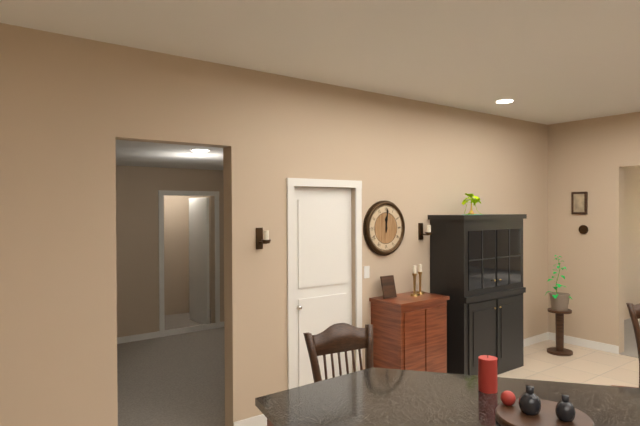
{"hour": 12, "minute": 1}
